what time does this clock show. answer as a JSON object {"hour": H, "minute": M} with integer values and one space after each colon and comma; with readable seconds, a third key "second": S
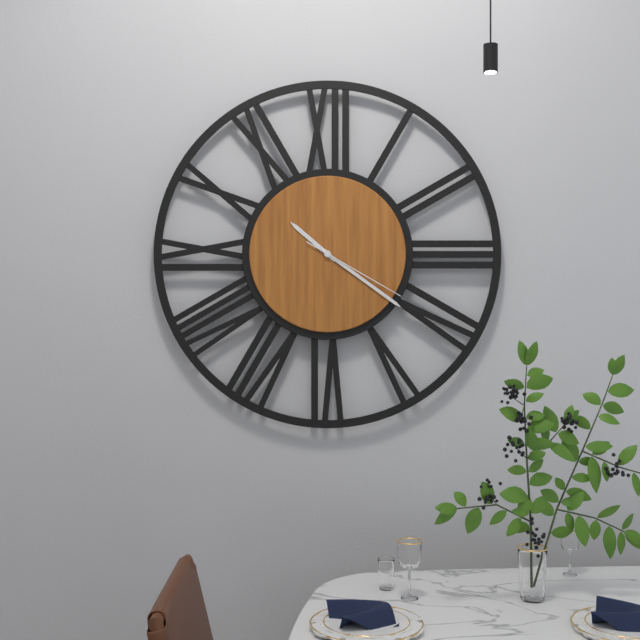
{"hour": 10, "minute": 21, "second": 20}
